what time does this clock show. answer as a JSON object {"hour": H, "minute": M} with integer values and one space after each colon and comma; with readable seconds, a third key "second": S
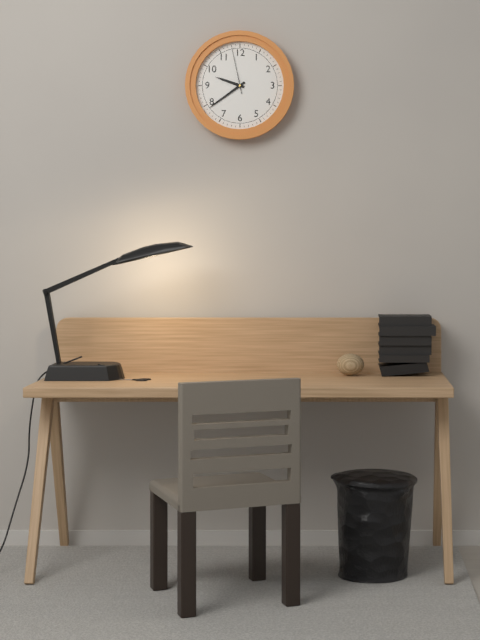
{"hour": 9, "minute": 39, "second": 58}
